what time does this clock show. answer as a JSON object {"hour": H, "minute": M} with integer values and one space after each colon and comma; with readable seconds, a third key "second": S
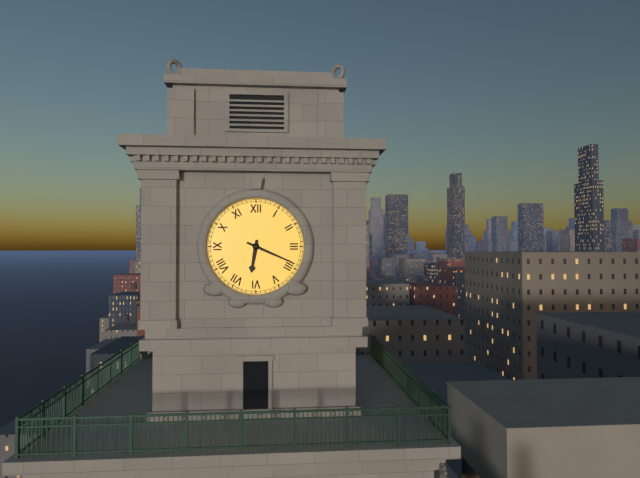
{"hour": 6, "minute": 19}
